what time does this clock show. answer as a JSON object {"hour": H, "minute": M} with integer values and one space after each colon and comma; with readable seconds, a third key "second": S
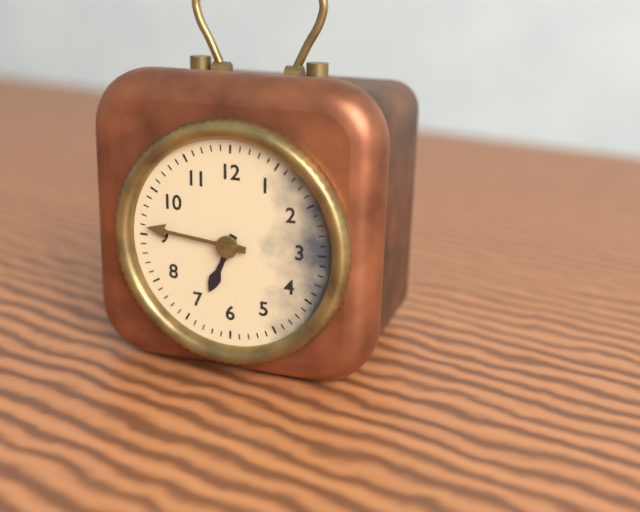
{"hour": 6, "minute": 46}
